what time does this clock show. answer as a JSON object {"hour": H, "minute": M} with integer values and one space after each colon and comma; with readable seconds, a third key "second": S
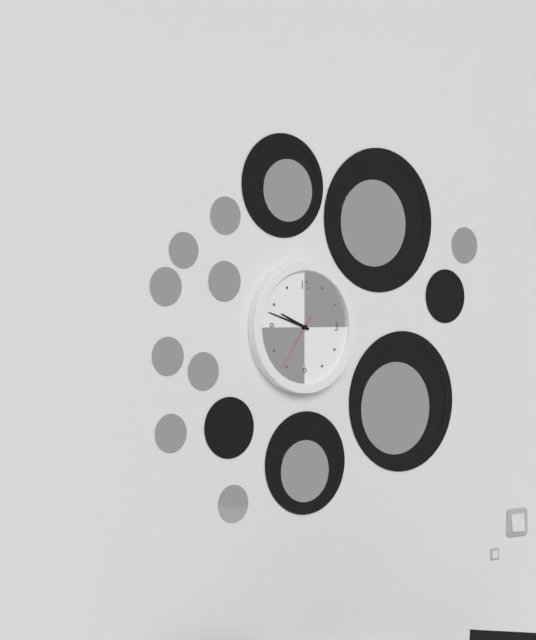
{"hour": 9, "minute": 48, "second": 36}
